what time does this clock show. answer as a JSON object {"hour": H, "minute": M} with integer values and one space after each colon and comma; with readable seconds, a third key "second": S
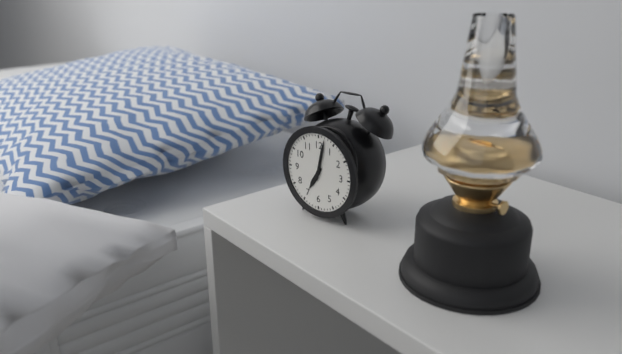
{"hour": 7, "minute": 2}
